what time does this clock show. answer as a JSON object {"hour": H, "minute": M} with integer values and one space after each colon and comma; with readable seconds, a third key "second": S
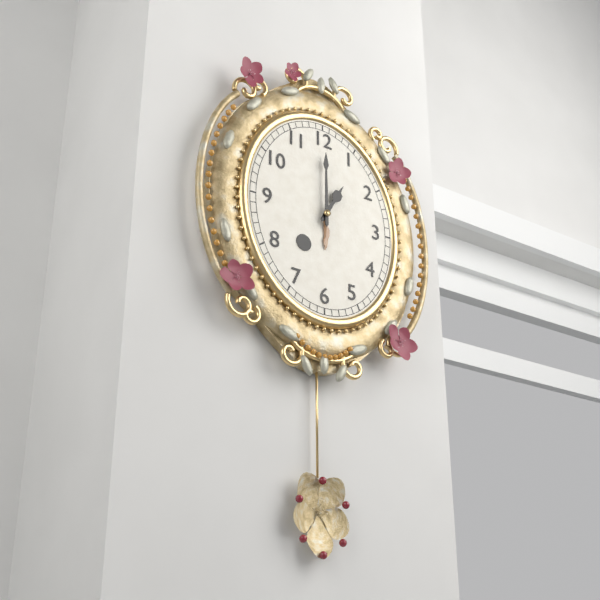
{"hour": 1, "minute": 0}
